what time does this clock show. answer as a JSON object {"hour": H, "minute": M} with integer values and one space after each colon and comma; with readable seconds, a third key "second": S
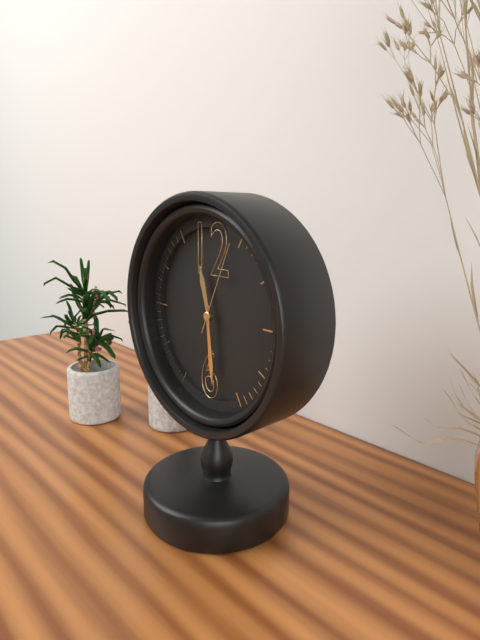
{"hour": 11, "minute": 29, "second": 4}
